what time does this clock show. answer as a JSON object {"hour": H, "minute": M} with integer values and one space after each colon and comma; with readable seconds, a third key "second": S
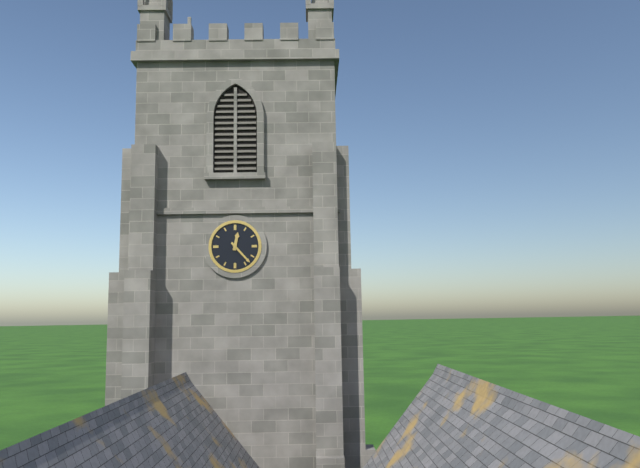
{"hour": 12, "minute": 23}
